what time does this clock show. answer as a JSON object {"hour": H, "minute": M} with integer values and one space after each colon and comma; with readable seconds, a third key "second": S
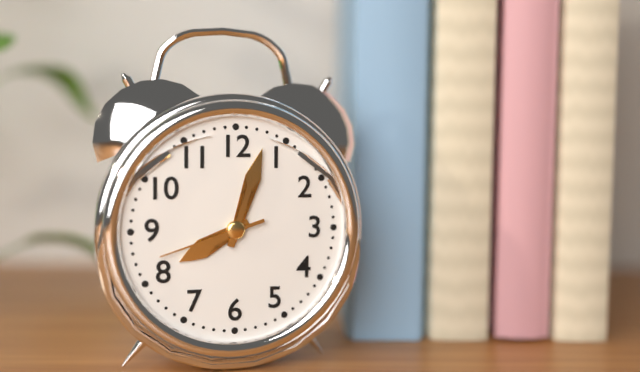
{"hour": 8, "minute": 3, "second": 42}
